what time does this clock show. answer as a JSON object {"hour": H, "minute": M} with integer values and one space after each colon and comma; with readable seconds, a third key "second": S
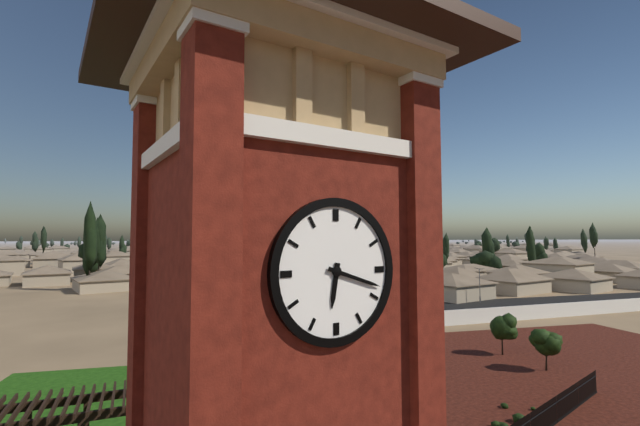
{"hour": 6, "minute": 18}
